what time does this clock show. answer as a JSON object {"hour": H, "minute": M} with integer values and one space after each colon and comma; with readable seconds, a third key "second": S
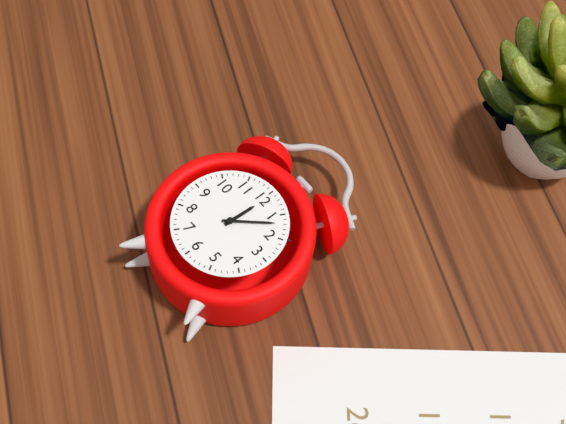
{"hour": 12, "minute": 7}
